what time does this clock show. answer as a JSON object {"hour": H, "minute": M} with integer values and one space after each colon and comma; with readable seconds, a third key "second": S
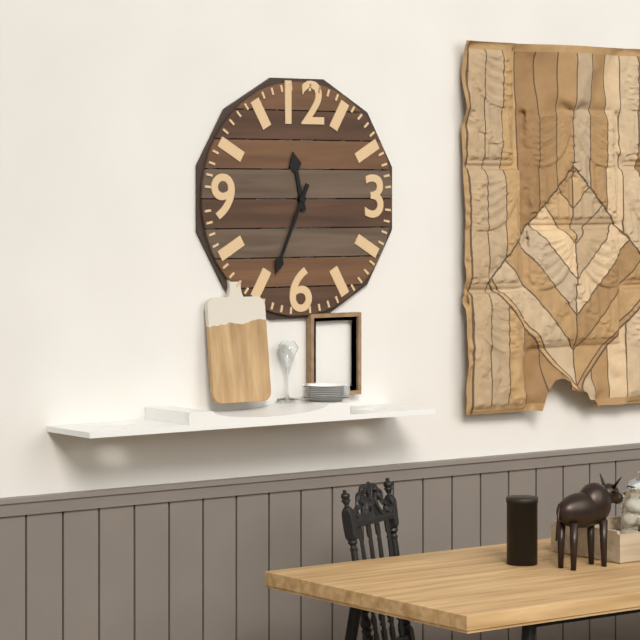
{"hour": 11, "minute": 34}
